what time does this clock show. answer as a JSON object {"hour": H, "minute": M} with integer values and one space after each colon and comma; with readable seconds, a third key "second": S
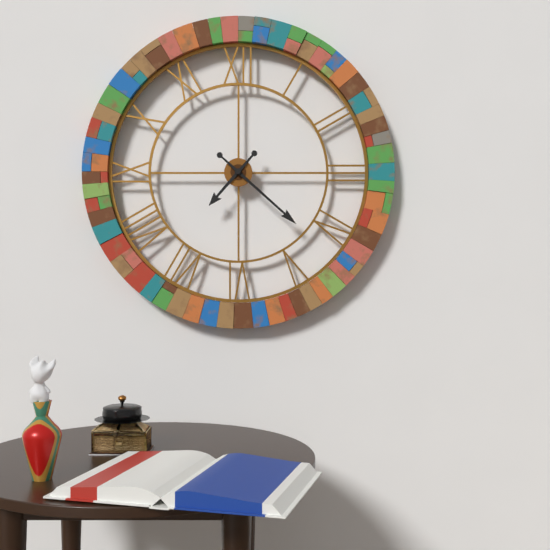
{"hour": 7, "minute": 22}
